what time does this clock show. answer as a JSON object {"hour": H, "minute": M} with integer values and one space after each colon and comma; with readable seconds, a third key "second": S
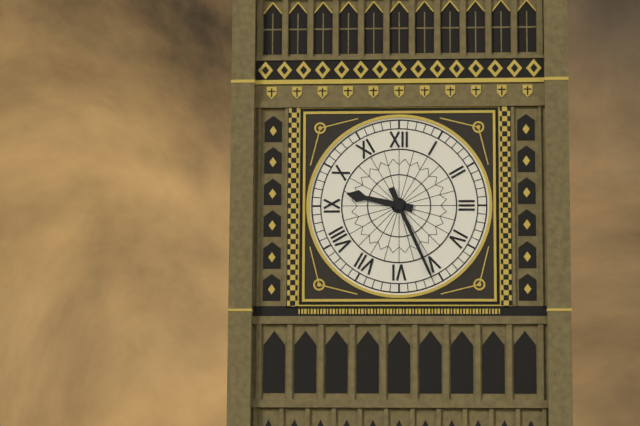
{"hour": 9, "minute": 26}
